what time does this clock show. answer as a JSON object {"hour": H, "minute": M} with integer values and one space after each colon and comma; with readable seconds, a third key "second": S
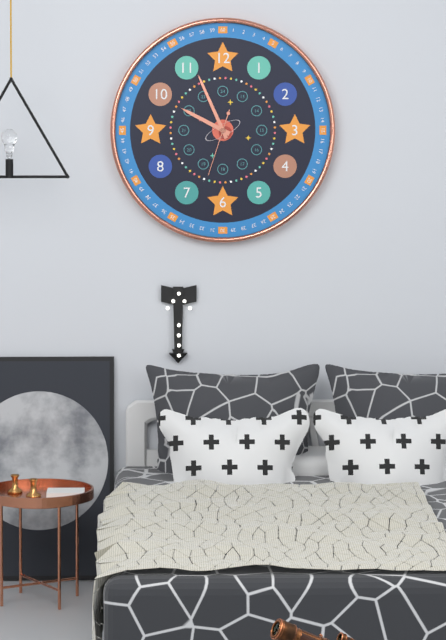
{"hour": 9, "minute": 56, "second": 33}
